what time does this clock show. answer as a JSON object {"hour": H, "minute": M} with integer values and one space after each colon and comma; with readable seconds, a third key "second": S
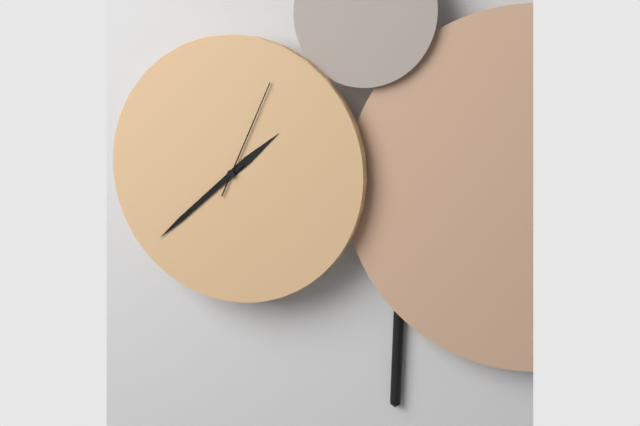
{"hour": 1, "minute": 38, "second": 4}
